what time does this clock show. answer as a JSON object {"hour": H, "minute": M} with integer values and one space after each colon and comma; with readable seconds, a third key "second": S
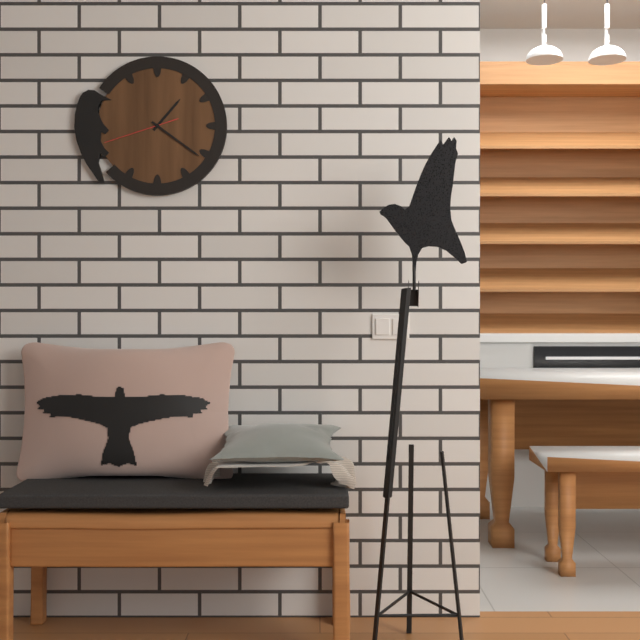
{"hour": 1, "minute": 21, "second": 42}
